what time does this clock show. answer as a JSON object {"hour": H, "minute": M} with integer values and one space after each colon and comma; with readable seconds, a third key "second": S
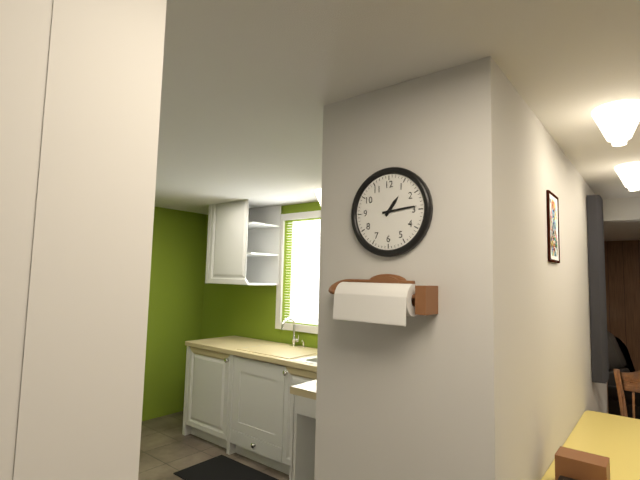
{"hour": 1, "minute": 14}
